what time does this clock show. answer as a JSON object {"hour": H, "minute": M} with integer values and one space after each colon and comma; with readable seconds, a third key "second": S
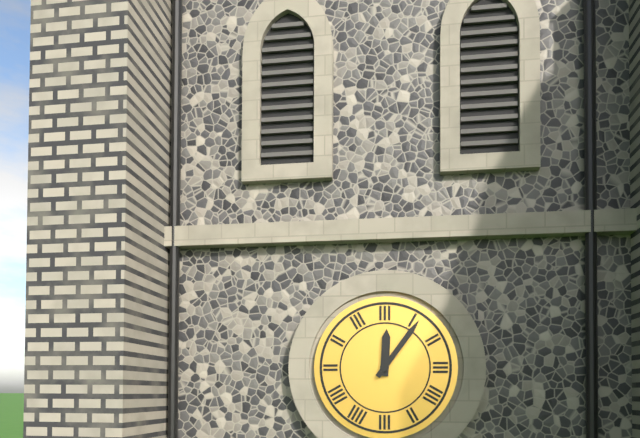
{"hour": 12, "minute": 6}
